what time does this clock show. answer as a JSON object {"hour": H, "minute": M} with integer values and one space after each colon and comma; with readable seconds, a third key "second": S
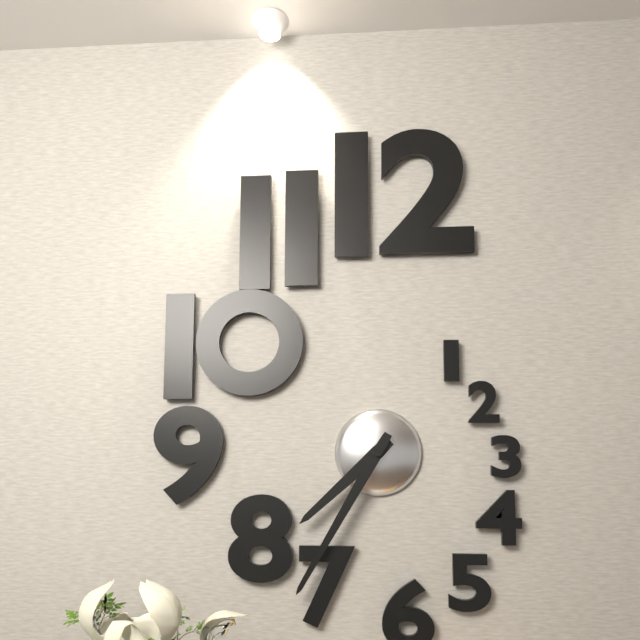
{"hour": 7, "minute": 35}
